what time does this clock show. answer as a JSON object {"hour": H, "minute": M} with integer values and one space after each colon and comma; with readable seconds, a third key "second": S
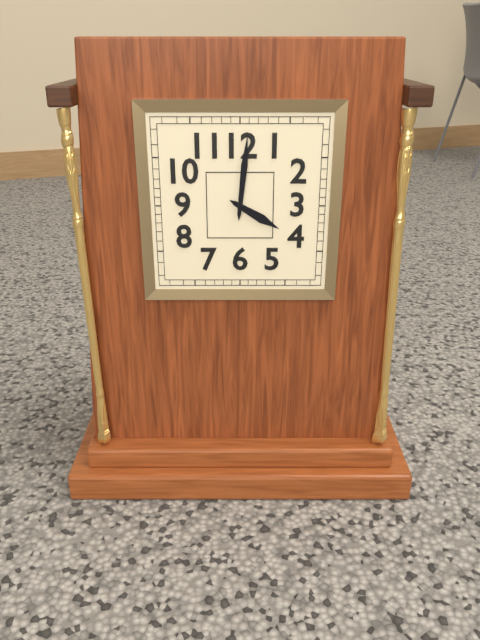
{"hour": 4, "minute": 1}
